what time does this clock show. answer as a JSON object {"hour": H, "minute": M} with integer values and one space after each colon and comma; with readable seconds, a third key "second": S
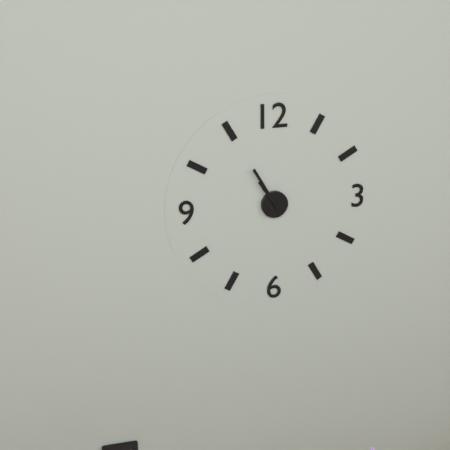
{"hour": 10, "minute": 55}
